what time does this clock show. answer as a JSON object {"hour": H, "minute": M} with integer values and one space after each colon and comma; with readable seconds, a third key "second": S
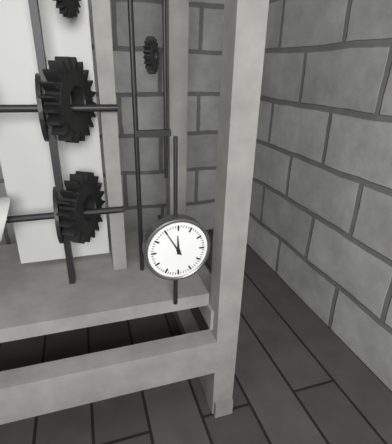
{"hour": 11, "minute": 55}
